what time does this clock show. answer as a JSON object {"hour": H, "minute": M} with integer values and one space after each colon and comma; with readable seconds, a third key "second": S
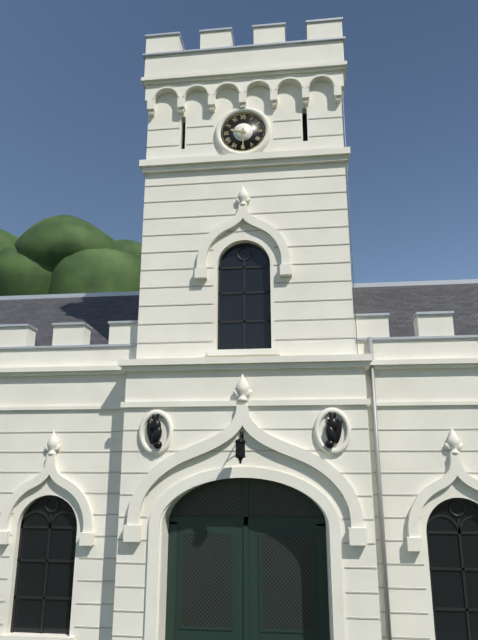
{"hour": 9, "minute": 30}
